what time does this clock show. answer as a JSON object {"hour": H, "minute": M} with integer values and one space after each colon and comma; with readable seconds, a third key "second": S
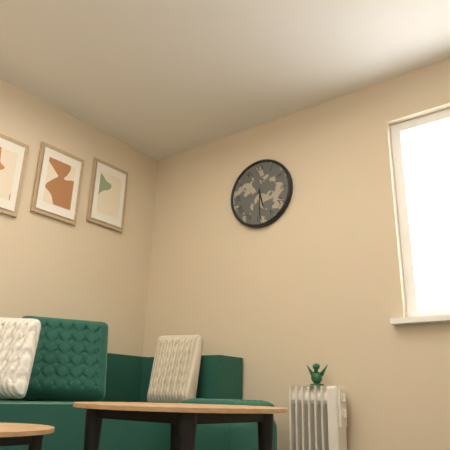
{"hour": 5, "minute": 30}
